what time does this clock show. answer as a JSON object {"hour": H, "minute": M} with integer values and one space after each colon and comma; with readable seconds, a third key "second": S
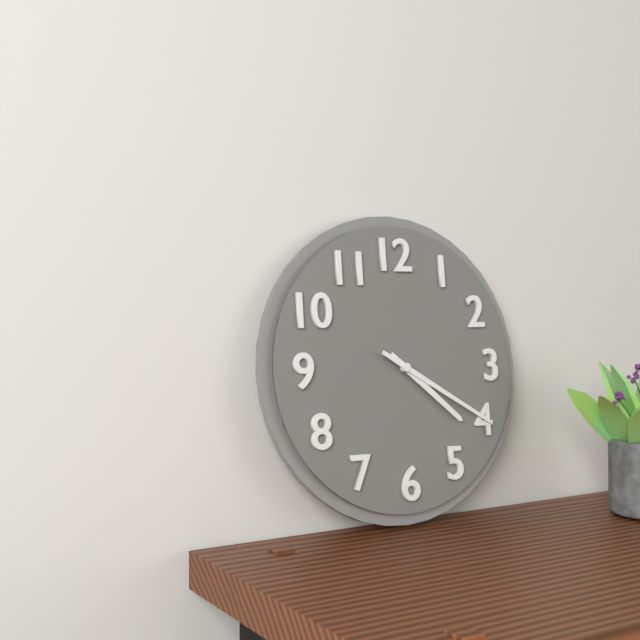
{"hour": 4, "minute": 20}
